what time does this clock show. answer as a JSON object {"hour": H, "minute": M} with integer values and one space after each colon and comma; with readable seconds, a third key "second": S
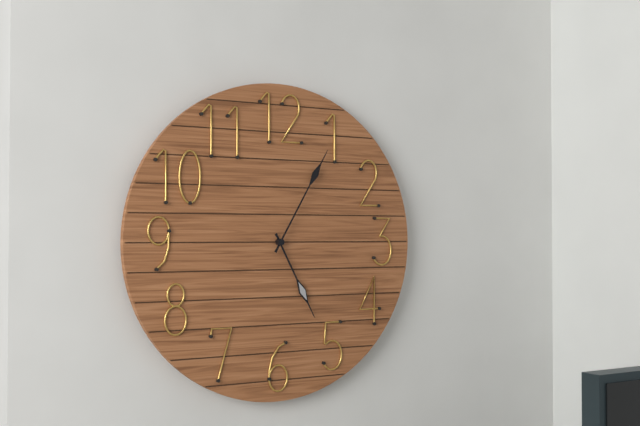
{"hour": 5, "minute": 5}
